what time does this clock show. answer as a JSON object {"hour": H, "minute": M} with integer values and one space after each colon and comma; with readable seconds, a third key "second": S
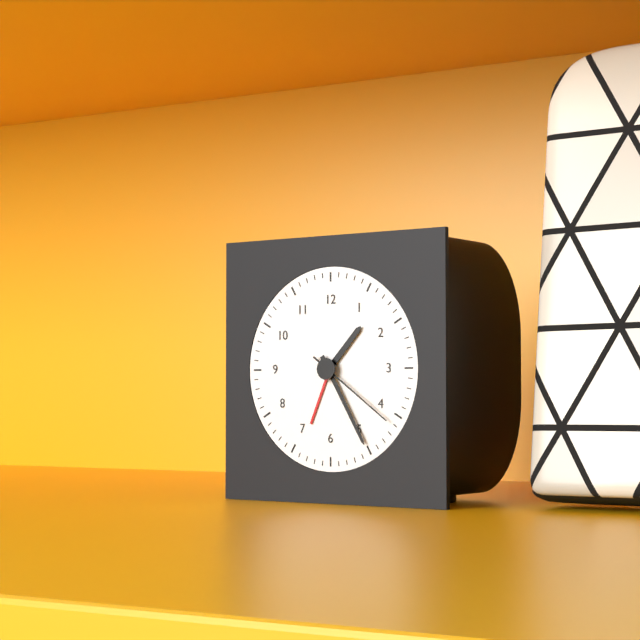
{"hour": 1, "minute": 25, "second": 21}
